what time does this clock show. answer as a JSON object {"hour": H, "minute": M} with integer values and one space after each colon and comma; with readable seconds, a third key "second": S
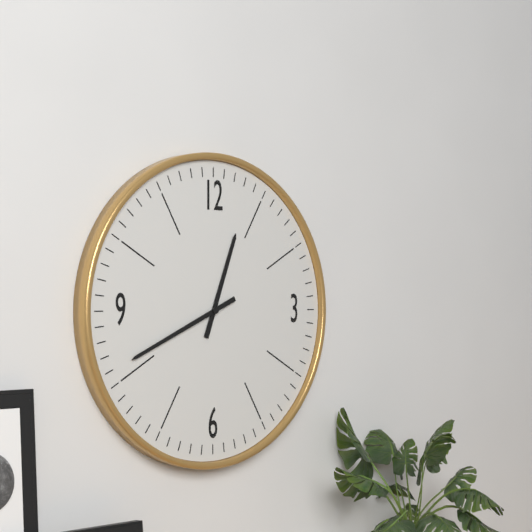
{"hour": 12, "minute": 41}
